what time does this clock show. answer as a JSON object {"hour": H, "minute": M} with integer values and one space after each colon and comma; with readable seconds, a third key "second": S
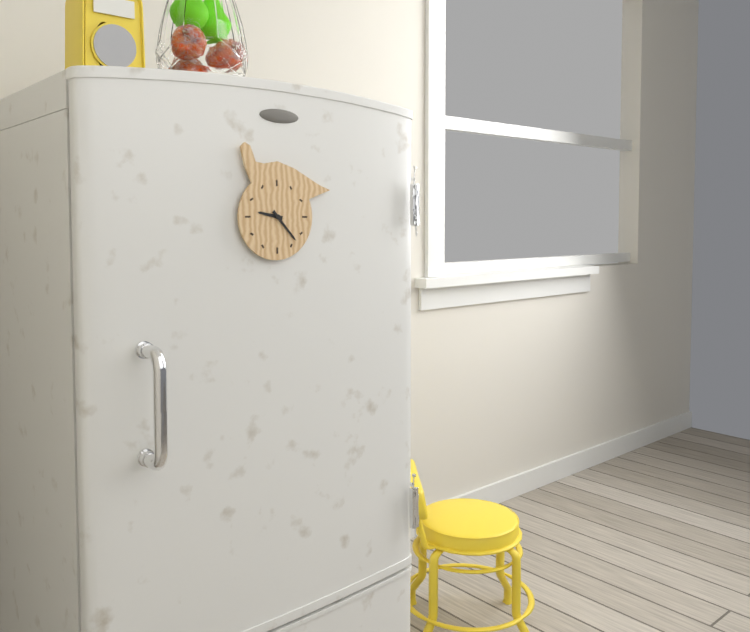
{"hour": 9, "minute": 23}
